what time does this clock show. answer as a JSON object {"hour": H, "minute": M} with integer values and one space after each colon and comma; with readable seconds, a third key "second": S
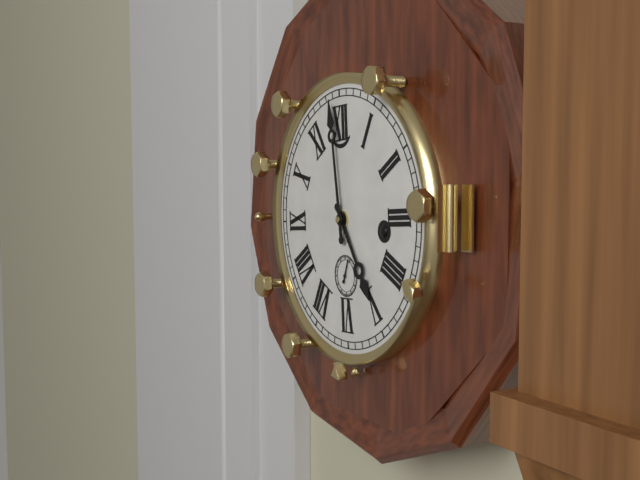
{"hour": 4, "minute": 59}
